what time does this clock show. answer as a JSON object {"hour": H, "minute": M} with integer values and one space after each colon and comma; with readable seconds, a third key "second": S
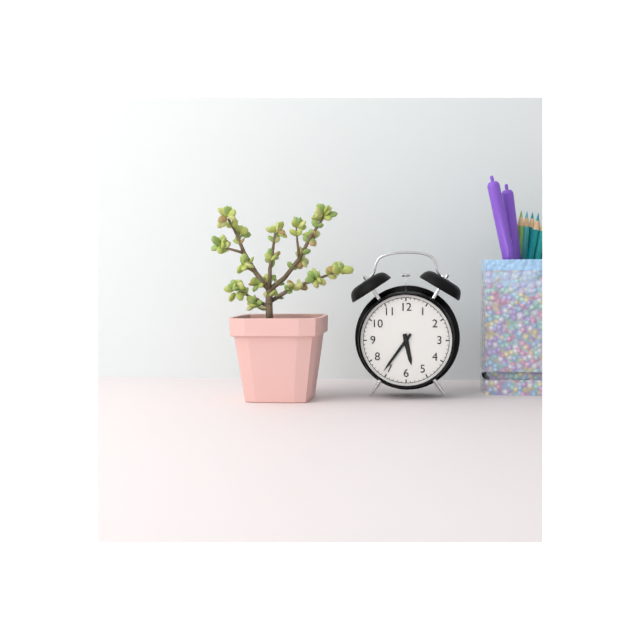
{"hour": 5, "minute": 36}
